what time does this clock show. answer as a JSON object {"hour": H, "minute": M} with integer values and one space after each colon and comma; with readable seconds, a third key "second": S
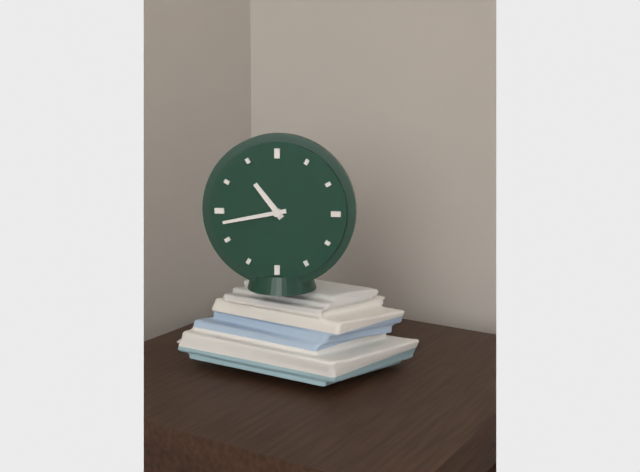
{"hour": 10, "minute": 43}
